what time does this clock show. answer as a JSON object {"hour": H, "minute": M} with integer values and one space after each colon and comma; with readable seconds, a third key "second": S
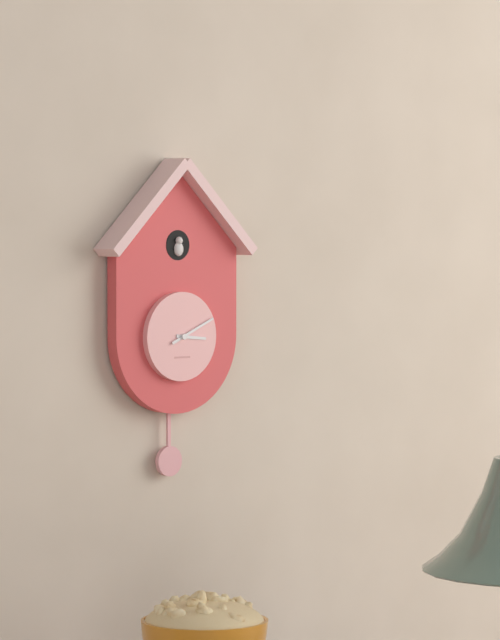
{"hour": 3, "minute": 11}
